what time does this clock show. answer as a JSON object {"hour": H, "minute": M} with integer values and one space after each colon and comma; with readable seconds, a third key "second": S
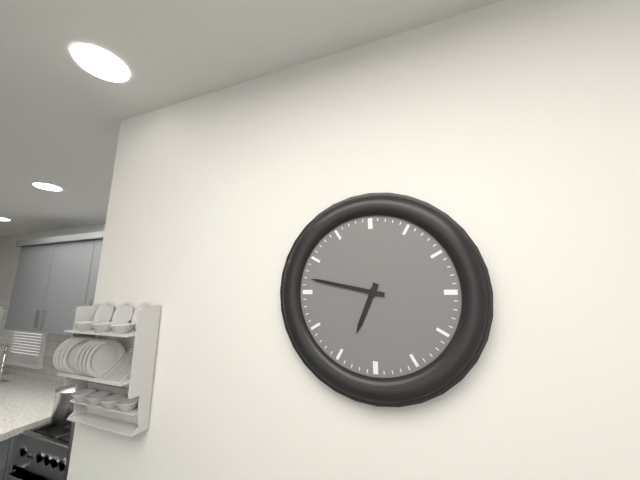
{"hour": 6, "minute": 47}
